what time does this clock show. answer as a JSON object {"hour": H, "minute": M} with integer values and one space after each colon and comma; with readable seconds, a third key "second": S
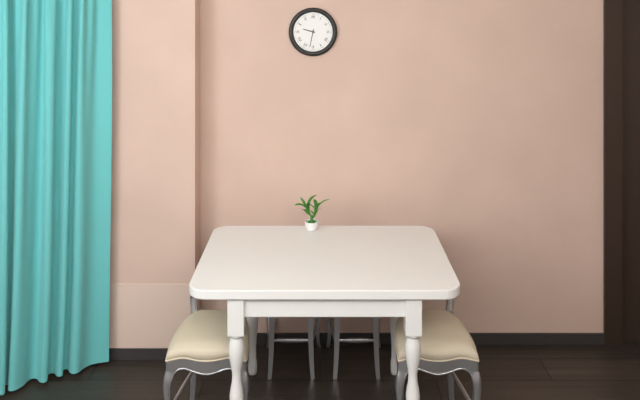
{"hour": 9, "minute": 32}
